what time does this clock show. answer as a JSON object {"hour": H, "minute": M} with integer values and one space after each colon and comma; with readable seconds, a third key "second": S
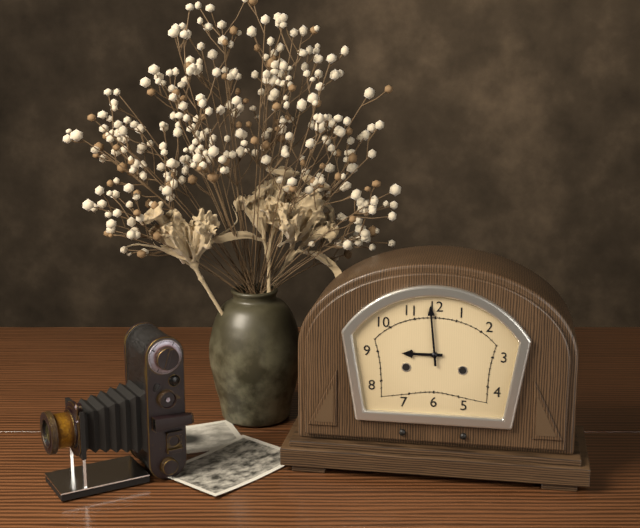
{"hour": 8, "minute": 59}
